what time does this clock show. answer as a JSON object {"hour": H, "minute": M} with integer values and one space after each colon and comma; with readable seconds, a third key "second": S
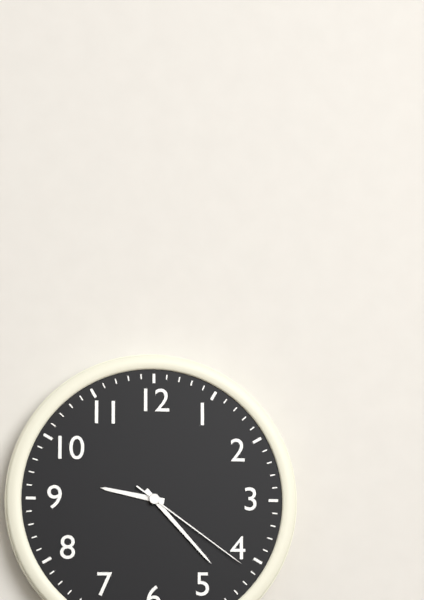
{"hour": 9, "minute": 23, "second": 21}
